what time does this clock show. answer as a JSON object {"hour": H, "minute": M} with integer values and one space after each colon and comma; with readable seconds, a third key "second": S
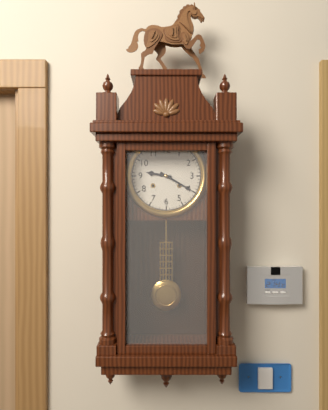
{"hour": 9, "minute": 20}
